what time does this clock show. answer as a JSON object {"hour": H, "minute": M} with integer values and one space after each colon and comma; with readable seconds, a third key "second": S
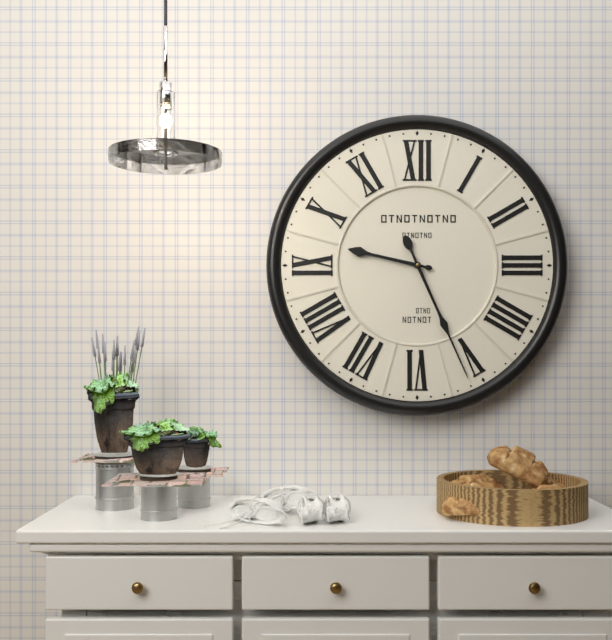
{"hour": 9, "minute": 26}
